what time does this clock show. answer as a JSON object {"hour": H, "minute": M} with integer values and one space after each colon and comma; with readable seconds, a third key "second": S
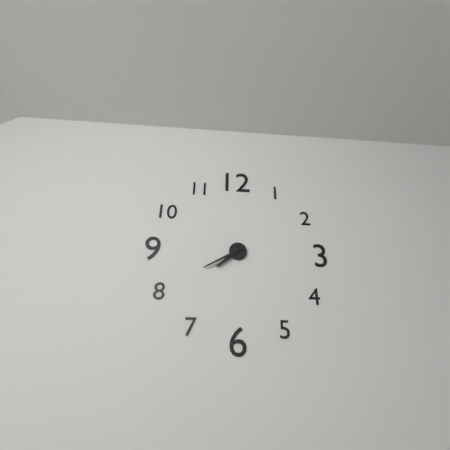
{"hour": 7, "minute": 40}
